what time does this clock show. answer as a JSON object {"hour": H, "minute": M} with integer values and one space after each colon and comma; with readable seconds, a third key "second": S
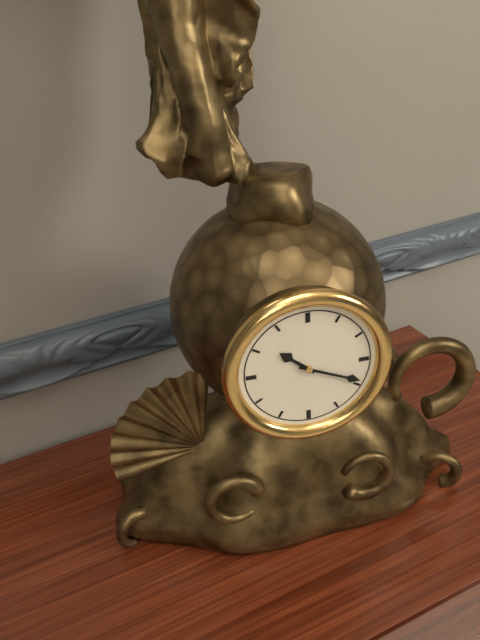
{"hour": 10, "minute": 19}
